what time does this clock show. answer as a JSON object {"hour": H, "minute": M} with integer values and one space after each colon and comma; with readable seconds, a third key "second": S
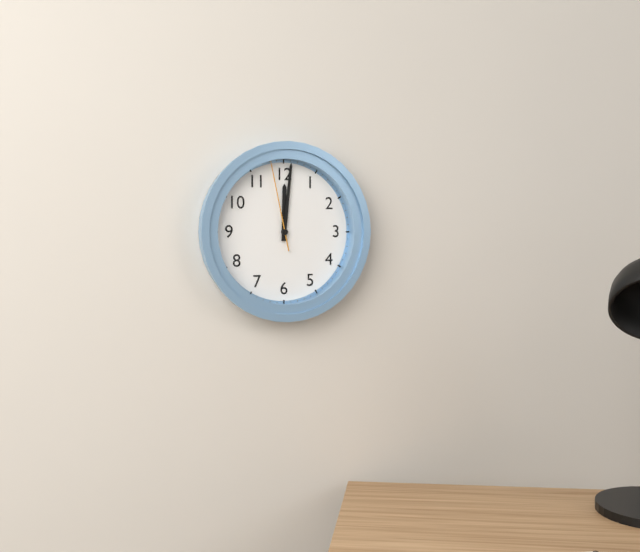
{"hour": 12, "minute": 1, "second": 58}
